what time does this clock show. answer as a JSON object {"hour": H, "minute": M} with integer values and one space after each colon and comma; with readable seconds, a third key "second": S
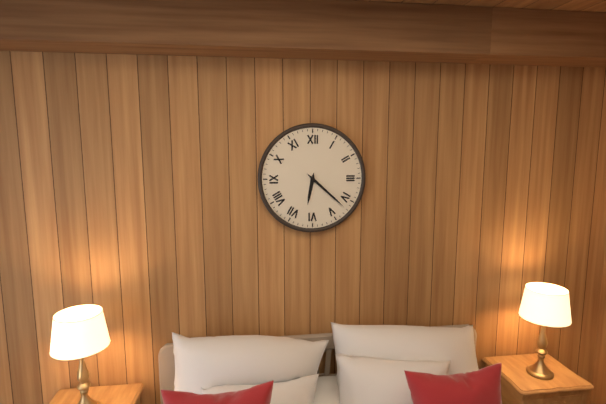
{"hour": 6, "minute": 22}
